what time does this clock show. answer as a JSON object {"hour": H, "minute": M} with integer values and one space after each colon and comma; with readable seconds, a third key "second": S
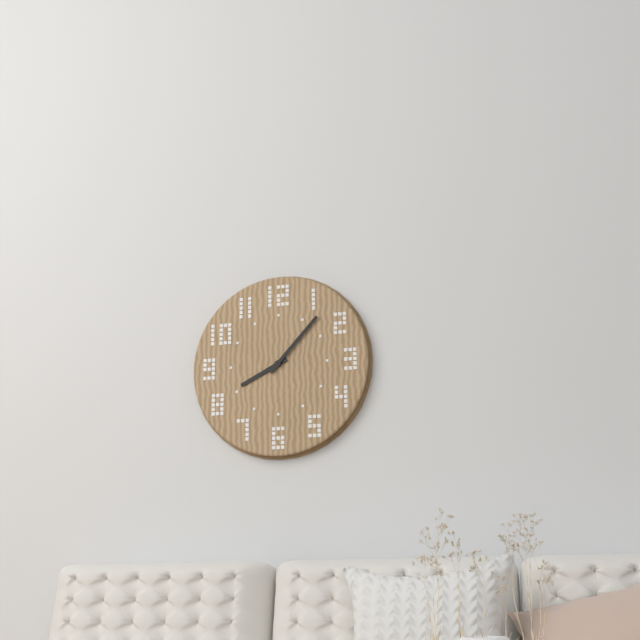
{"hour": 8, "minute": 7}
